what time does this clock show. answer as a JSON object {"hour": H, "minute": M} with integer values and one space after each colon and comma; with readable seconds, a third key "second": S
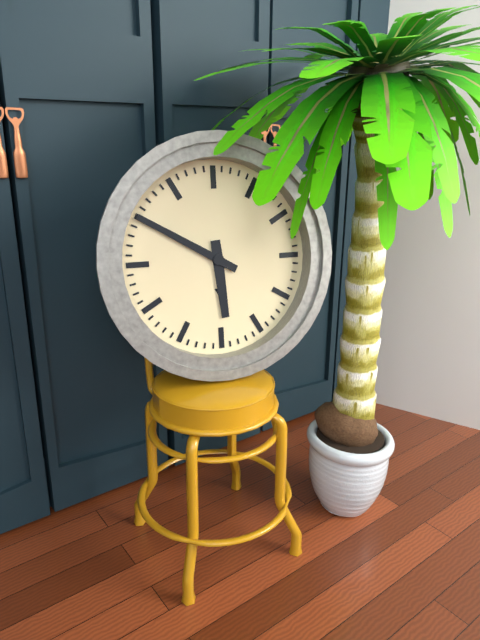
{"hour": 5, "minute": 50}
